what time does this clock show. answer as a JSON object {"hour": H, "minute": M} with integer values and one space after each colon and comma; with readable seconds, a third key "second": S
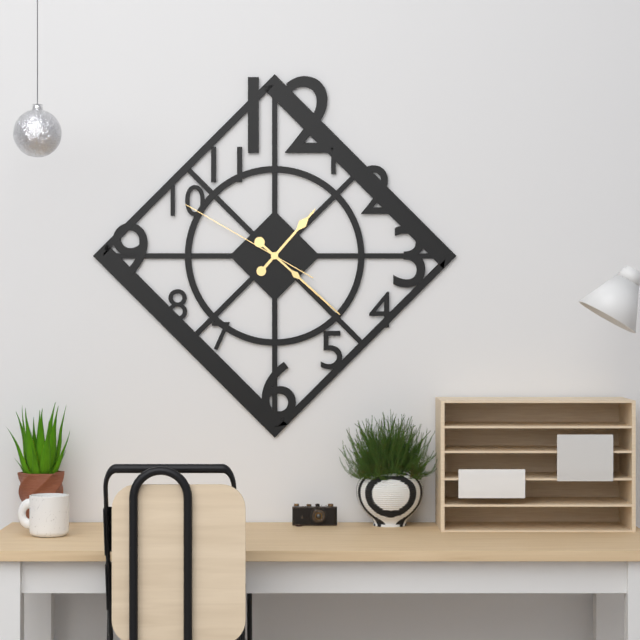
{"hour": 1, "minute": 22, "second": 50}
